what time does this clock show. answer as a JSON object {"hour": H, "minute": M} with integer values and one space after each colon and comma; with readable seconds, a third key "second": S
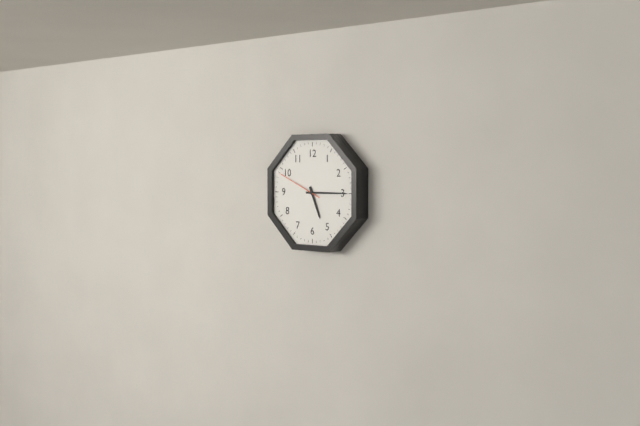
{"hour": 5, "minute": 15}
